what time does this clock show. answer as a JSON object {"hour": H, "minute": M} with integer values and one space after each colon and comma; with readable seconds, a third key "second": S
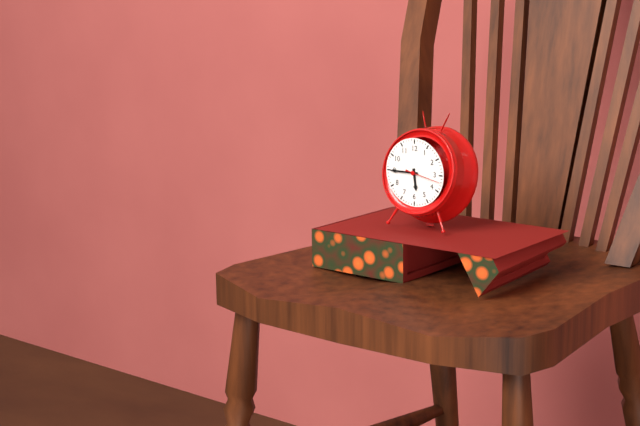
{"hour": 5, "minute": 45}
